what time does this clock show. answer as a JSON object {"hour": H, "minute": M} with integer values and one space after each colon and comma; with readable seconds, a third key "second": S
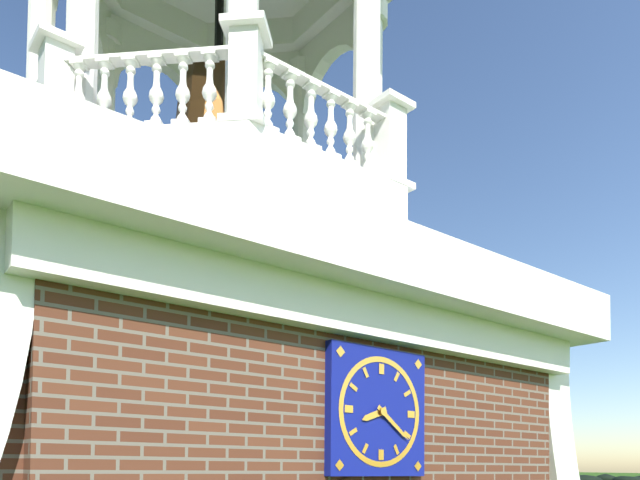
{"hour": 8, "minute": 21}
